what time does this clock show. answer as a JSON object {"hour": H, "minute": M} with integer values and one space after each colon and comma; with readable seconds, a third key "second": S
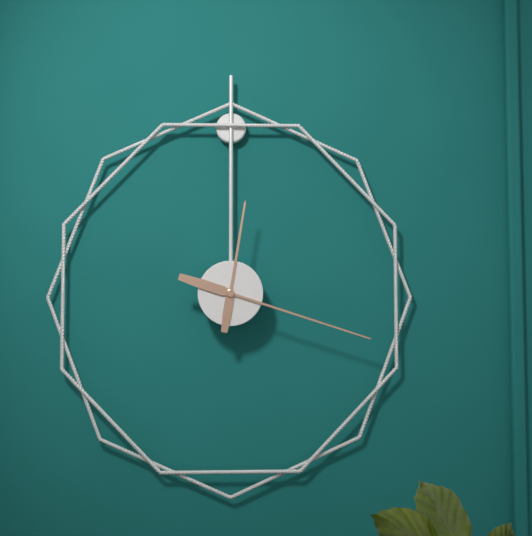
{"hour": 12, "minute": 18}
